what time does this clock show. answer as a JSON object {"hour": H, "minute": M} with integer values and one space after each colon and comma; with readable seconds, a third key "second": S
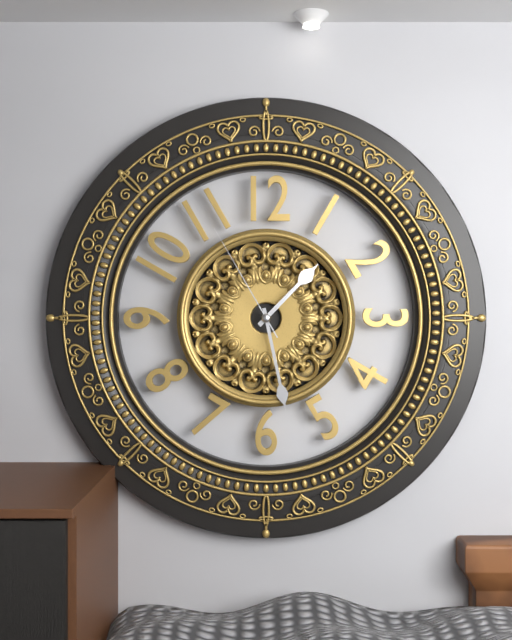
{"hour": 1, "minute": 28, "second": 55}
